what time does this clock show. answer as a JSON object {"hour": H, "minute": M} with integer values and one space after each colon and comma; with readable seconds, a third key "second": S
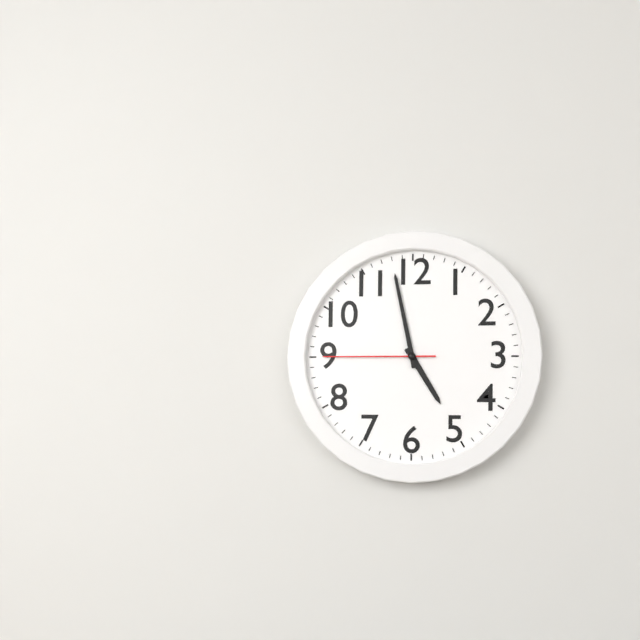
{"hour": 4, "minute": 58, "second": 45}
